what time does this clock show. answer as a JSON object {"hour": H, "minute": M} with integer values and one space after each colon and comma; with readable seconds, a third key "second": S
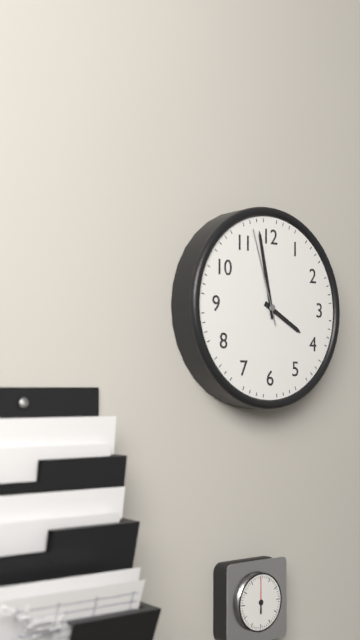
{"hour": 3, "minute": 58, "second": 57}
